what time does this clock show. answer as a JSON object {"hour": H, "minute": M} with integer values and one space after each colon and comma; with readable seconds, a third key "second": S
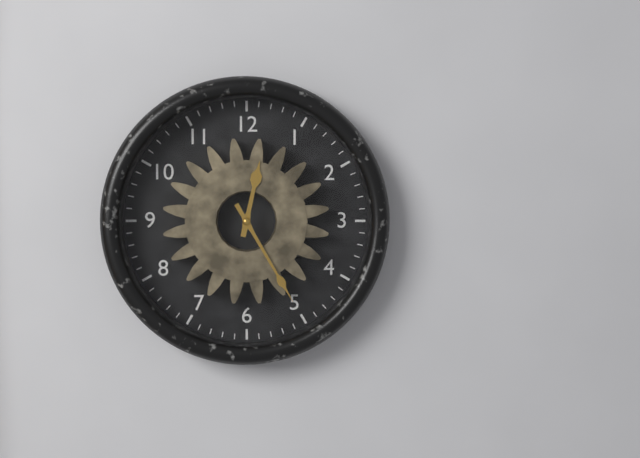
{"hour": 12, "minute": 25}
